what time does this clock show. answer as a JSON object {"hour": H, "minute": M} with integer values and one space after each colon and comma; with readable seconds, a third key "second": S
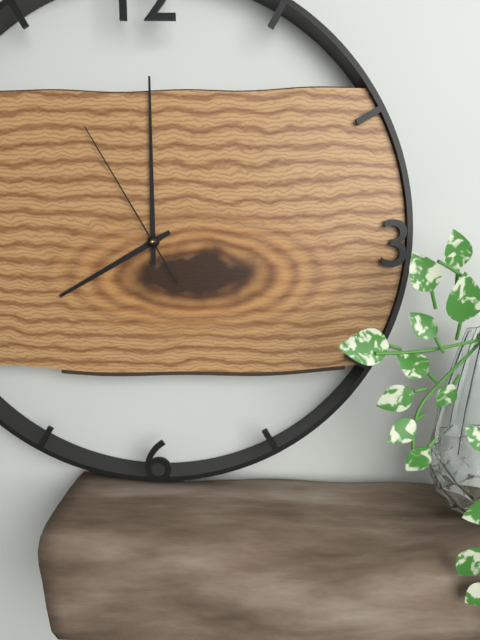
{"hour": 8, "minute": 0, "second": 55}
